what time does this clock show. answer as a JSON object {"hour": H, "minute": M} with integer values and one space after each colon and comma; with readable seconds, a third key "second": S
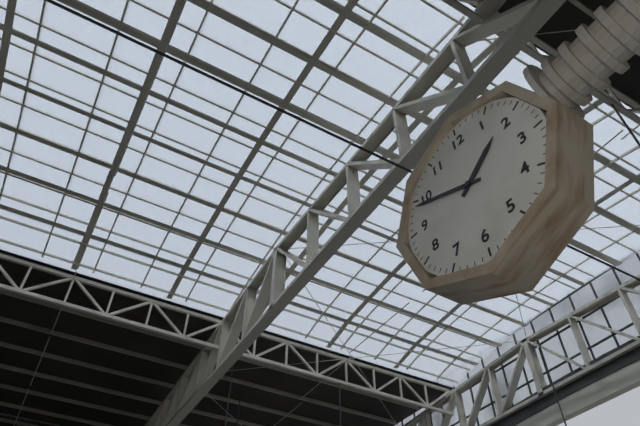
{"hour": 1, "minute": 49}
